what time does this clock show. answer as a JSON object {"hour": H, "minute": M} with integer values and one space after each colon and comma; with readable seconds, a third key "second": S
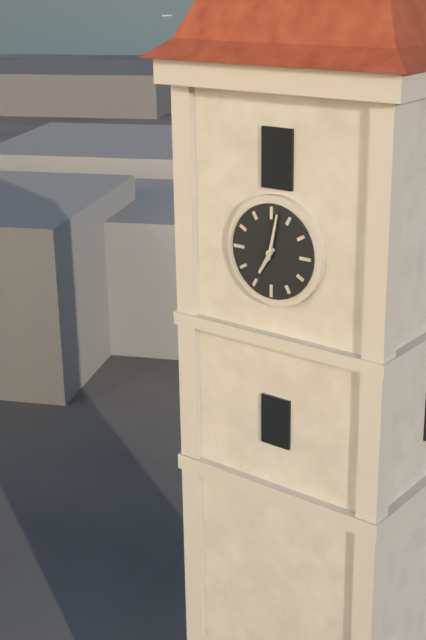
{"hour": 7, "minute": 2}
